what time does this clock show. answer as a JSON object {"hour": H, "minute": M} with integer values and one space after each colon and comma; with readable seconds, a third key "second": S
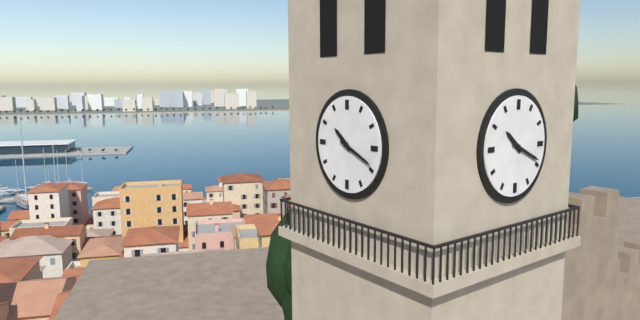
{"hour": 10, "minute": 19}
